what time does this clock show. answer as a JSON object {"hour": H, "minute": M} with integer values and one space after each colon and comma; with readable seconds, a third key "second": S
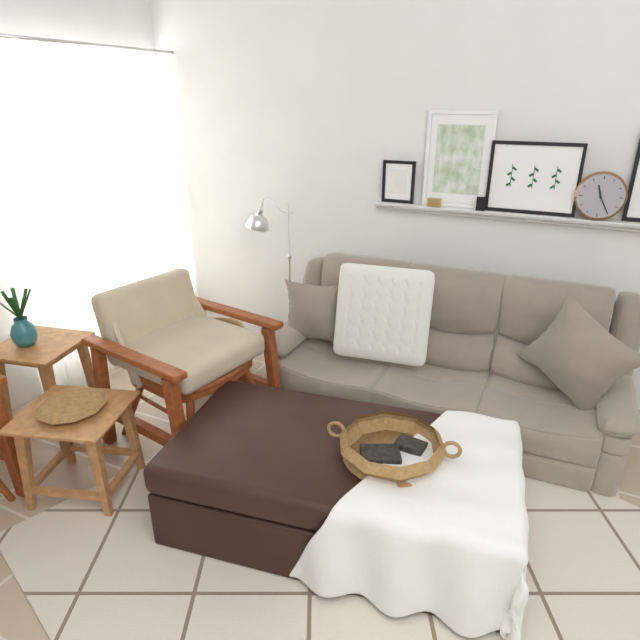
{"hour": 11, "minute": 25}
